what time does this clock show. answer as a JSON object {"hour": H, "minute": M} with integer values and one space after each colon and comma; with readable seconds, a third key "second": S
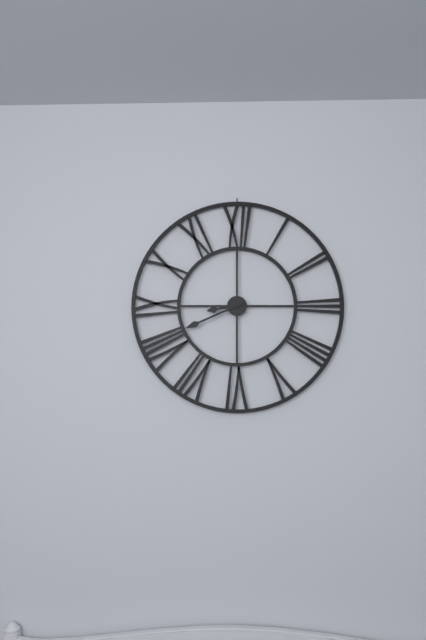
{"hour": 8, "minute": 41}
